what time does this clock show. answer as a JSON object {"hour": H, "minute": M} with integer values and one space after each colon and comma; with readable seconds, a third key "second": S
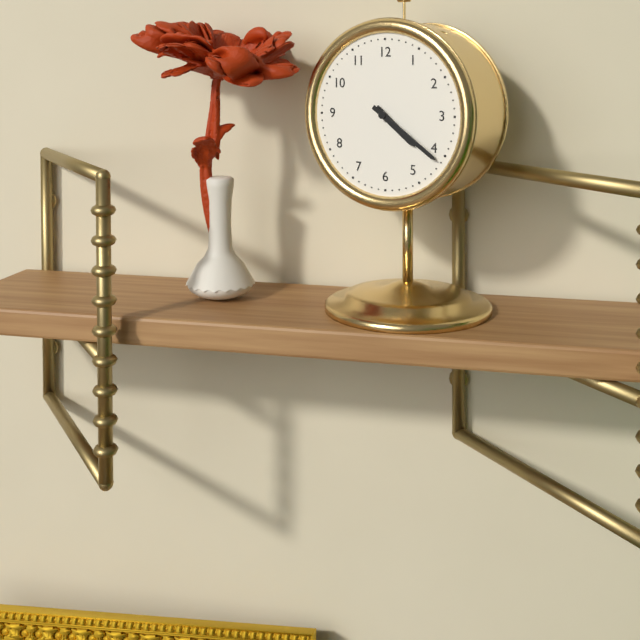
{"hour": 4, "minute": 21}
